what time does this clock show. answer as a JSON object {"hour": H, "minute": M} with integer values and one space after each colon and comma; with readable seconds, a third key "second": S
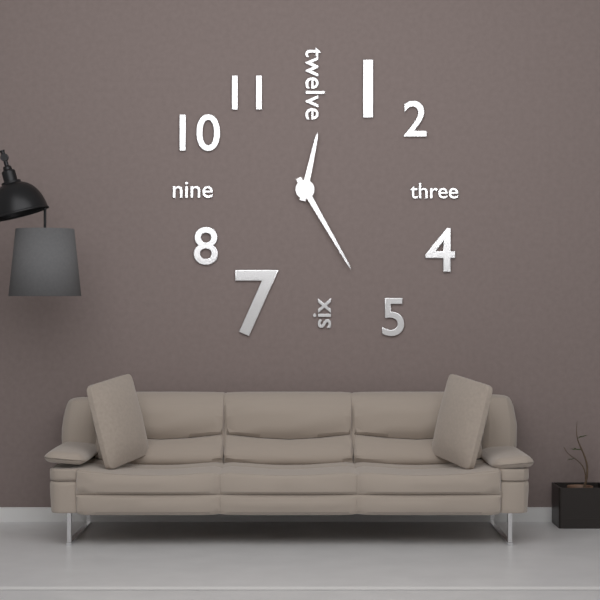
{"hour": 12, "minute": 25}
